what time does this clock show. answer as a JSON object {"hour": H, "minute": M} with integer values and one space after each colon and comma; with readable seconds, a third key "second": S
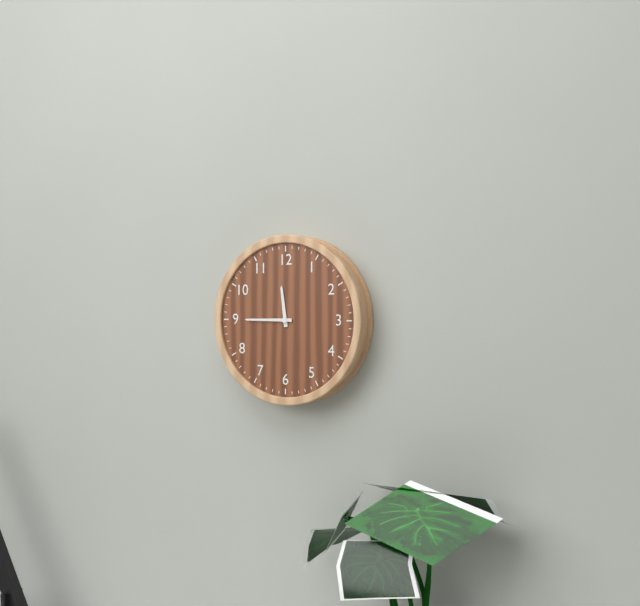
{"hour": 11, "minute": 45}
